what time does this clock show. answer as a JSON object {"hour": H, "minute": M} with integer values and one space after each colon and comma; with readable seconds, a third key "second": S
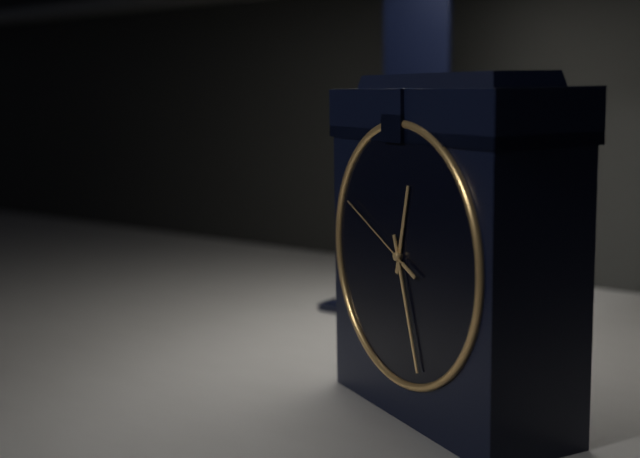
{"hour": 12, "minute": 27, "second": 49}
